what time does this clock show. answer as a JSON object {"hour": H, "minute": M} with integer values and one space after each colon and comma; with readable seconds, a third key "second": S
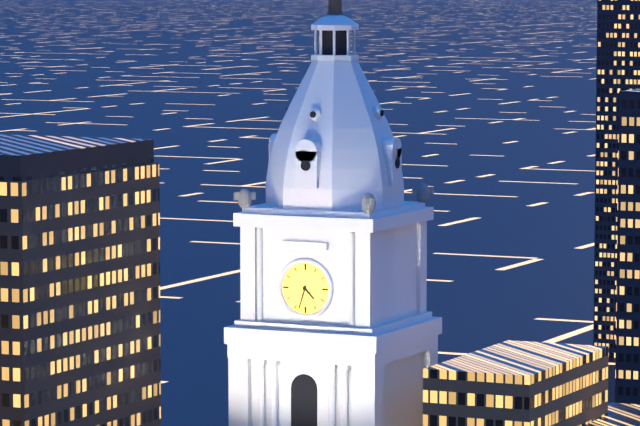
{"hour": 4, "minute": 33}
